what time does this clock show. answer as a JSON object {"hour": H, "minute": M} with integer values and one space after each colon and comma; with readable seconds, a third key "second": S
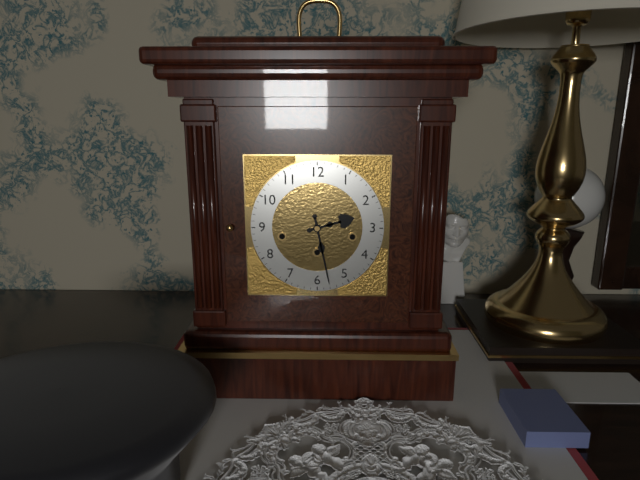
{"hour": 2, "minute": 28}
